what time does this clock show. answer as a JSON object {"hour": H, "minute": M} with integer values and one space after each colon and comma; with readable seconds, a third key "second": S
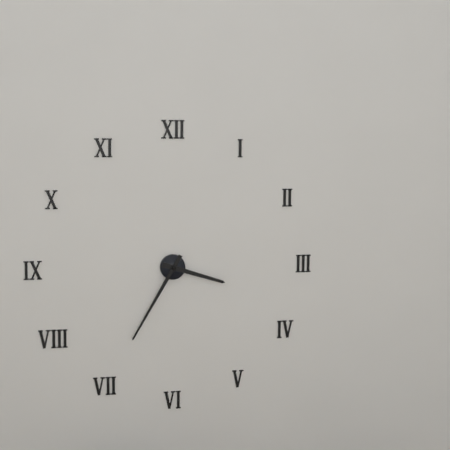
{"hour": 3, "minute": 35}
